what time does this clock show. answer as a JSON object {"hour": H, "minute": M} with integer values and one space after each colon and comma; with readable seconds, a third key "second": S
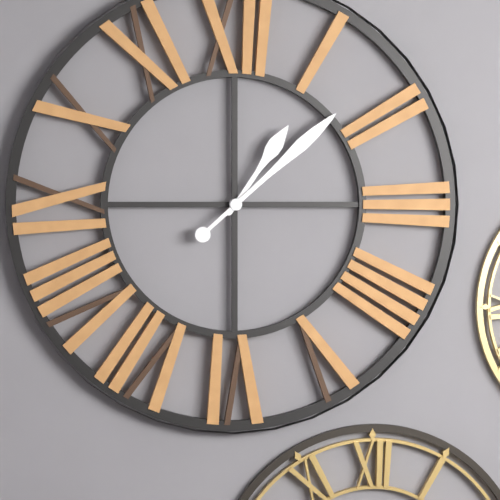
{"hour": 1, "minute": 8}
